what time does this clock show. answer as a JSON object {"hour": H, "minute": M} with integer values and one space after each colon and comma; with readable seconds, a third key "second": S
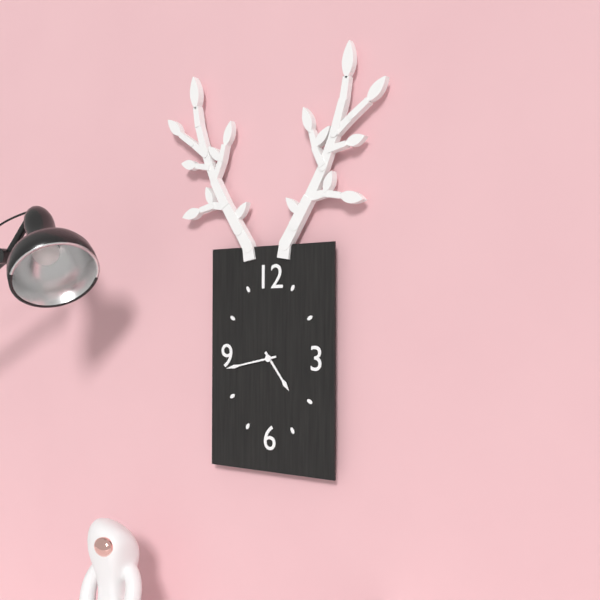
{"hour": 4, "minute": 43}
